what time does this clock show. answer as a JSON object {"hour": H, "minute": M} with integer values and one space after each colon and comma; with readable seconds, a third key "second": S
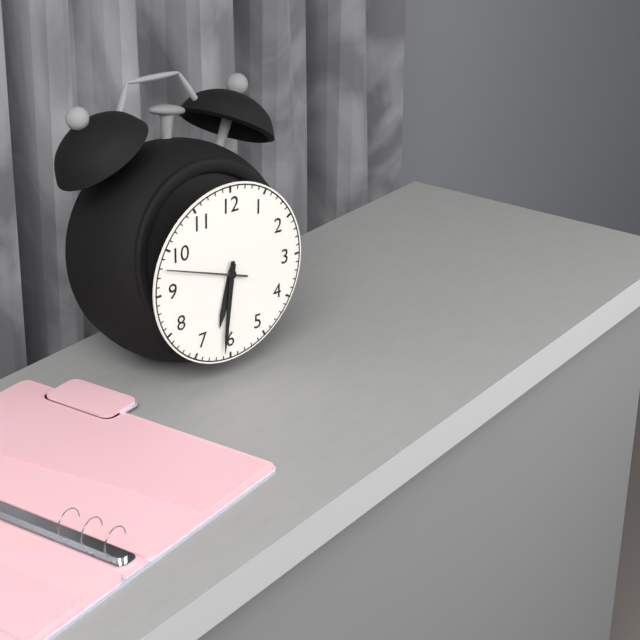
{"hour": 6, "minute": 31, "second": 48}
